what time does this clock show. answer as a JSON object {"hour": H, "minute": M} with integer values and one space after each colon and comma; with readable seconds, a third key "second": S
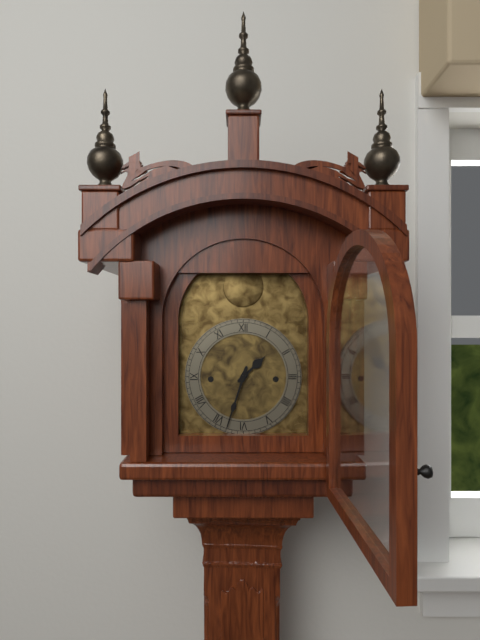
{"hour": 1, "minute": 33}
